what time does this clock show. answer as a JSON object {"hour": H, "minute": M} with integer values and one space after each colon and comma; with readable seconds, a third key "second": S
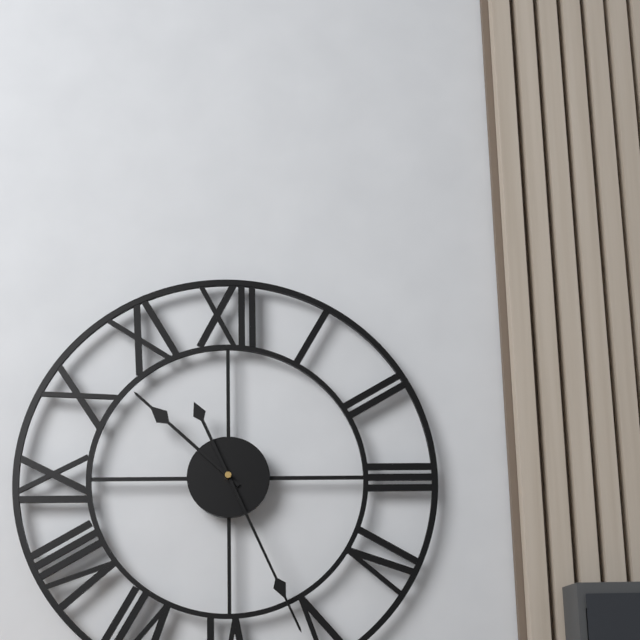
{"hour": 10, "minute": 26}
